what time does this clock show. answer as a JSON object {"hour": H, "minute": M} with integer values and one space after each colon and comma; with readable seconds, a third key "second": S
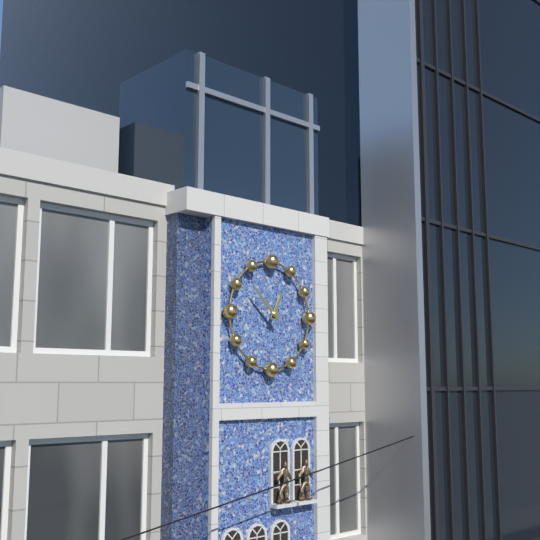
{"hour": 12, "minute": 52}
